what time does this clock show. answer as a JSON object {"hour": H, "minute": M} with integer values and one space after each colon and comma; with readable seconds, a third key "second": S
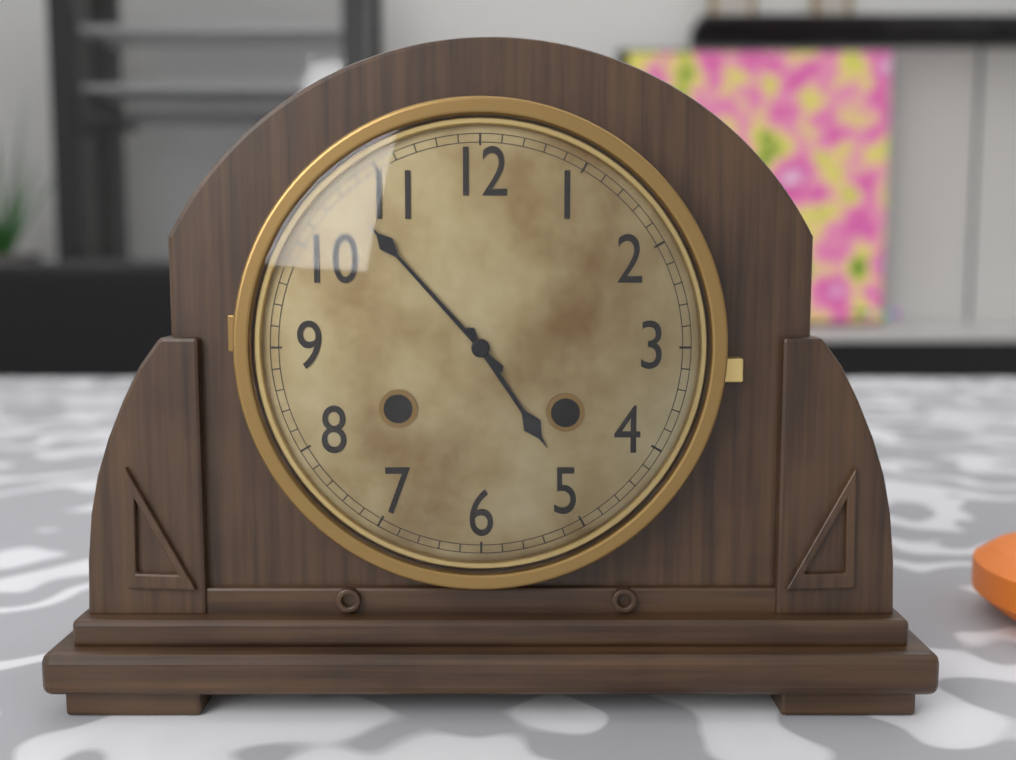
{"hour": 4, "minute": 53}
